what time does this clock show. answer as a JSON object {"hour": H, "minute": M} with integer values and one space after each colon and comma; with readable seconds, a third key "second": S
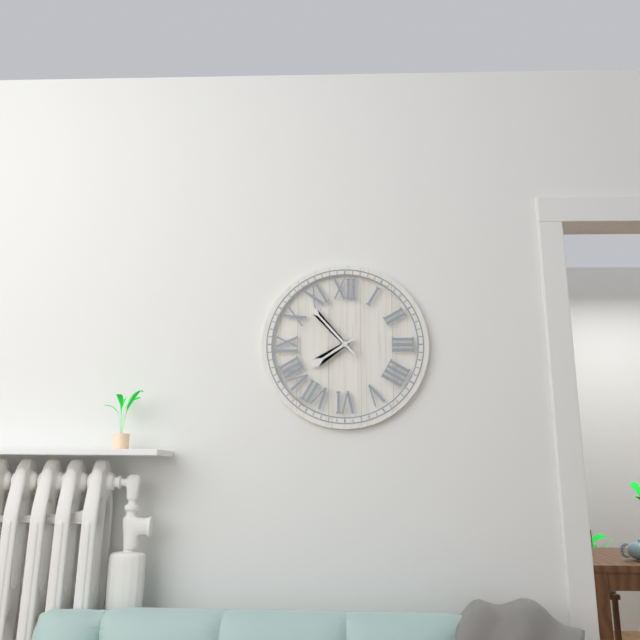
{"hour": 7, "minute": 53}
